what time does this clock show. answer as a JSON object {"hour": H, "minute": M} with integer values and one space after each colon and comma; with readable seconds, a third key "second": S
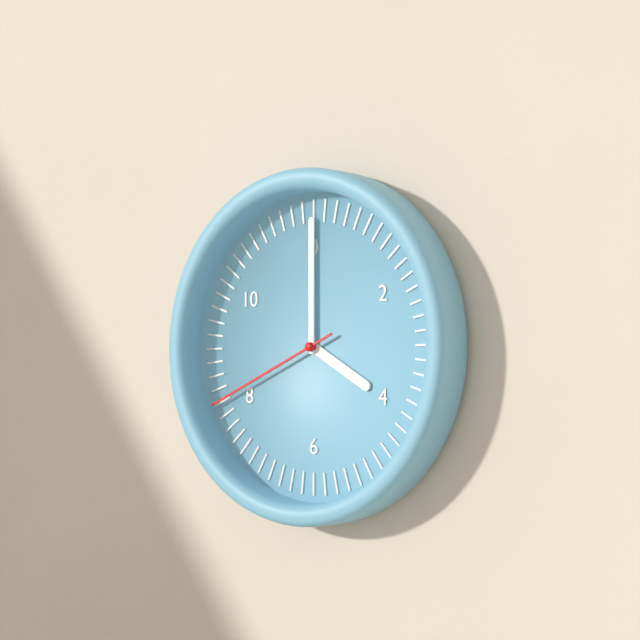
{"hour": 4, "minute": 0, "second": 41}
